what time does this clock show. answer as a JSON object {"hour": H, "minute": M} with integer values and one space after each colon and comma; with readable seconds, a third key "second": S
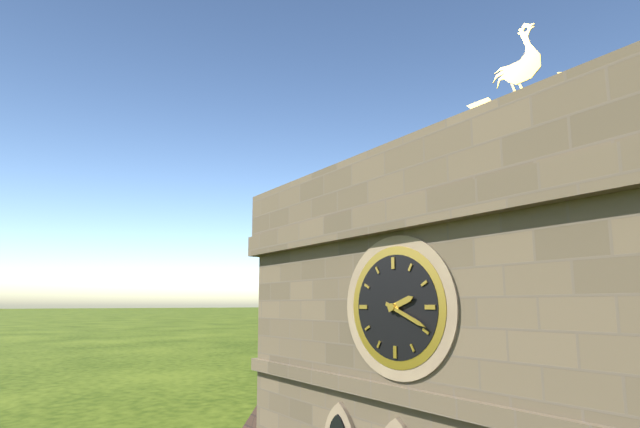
{"hour": 2, "minute": 19}
